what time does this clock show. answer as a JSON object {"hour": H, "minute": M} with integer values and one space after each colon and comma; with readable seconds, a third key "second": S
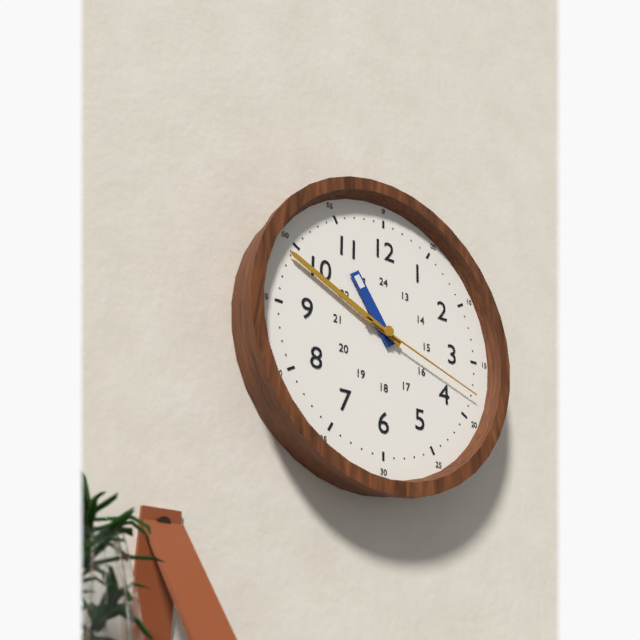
{"hour": 10, "minute": 49, "second": 18}
